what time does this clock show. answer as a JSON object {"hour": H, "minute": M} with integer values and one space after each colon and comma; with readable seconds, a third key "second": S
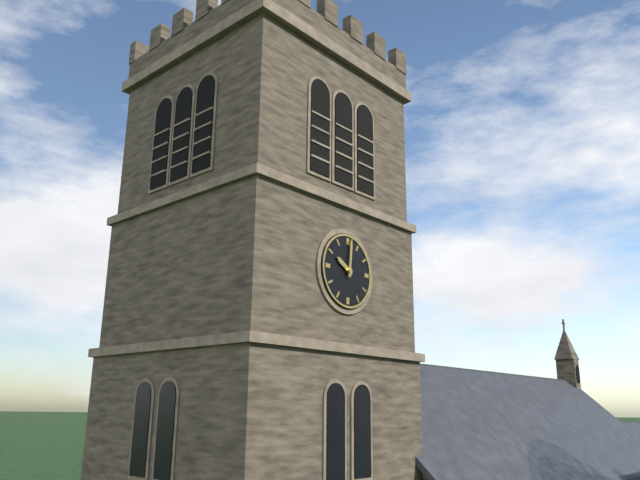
{"hour": 10, "minute": 1}
